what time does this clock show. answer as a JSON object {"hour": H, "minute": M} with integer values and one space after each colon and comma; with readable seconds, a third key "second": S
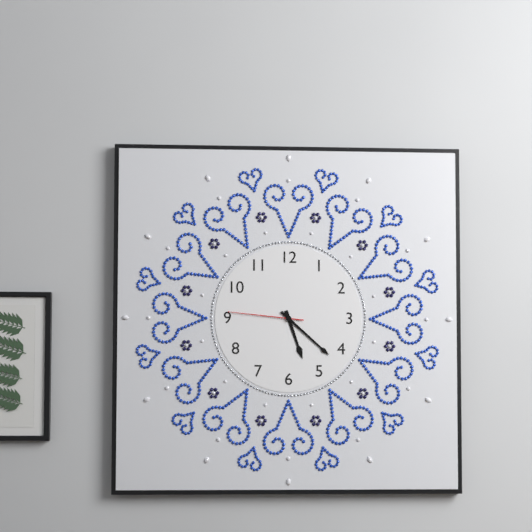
{"hour": 5, "minute": 22, "second": 46}
